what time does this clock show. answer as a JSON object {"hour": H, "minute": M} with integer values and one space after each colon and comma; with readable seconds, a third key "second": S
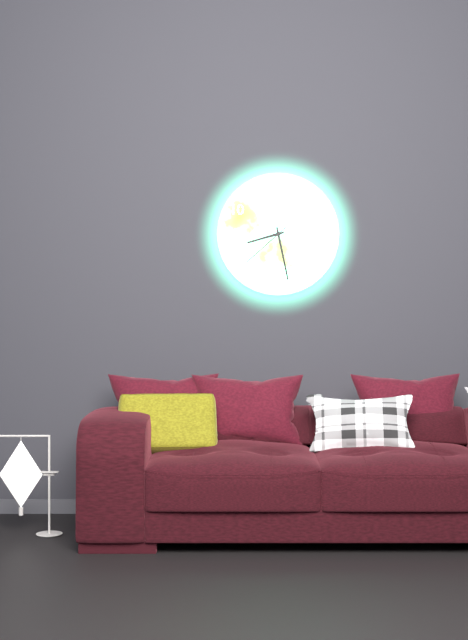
{"hour": 8, "minute": 28, "second": 38}
